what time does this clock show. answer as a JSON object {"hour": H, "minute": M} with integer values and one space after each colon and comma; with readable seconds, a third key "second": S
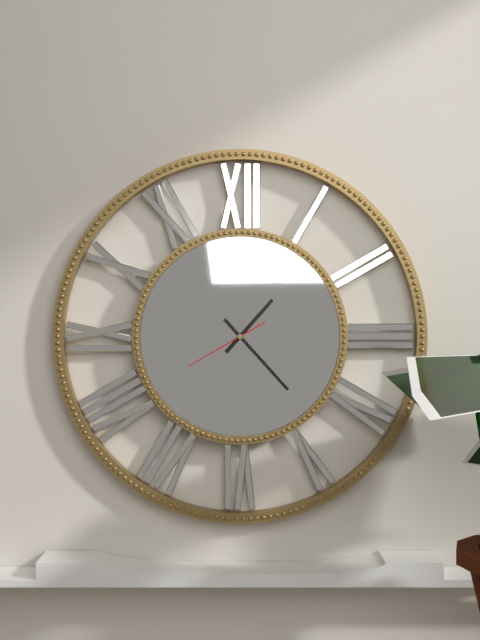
{"hour": 1, "minute": 23, "second": 40}
